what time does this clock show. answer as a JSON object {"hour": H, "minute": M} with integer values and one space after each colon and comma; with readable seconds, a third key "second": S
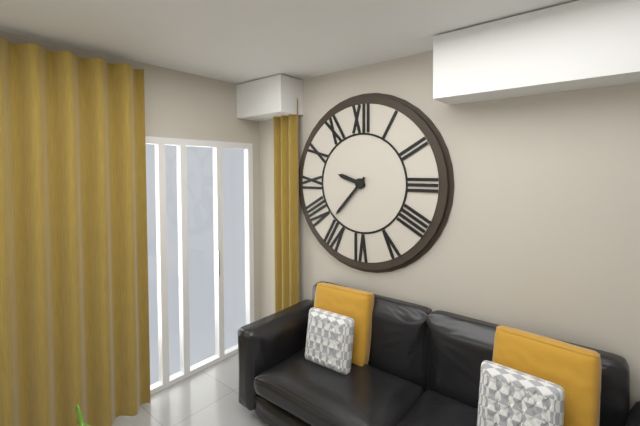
{"hour": 9, "minute": 37}
